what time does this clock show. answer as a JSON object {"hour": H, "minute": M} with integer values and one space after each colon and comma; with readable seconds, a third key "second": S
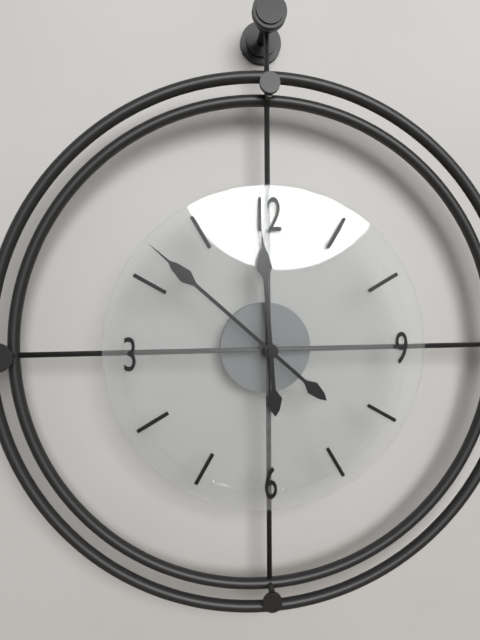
{"hour": 11, "minute": 52}
